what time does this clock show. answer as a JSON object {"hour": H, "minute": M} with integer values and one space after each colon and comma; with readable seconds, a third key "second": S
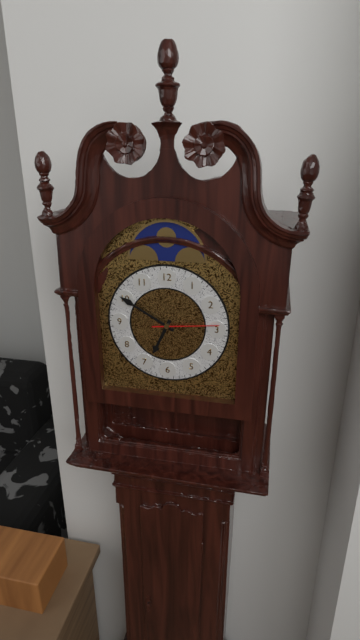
{"hour": 6, "minute": 50, "second": 14}
